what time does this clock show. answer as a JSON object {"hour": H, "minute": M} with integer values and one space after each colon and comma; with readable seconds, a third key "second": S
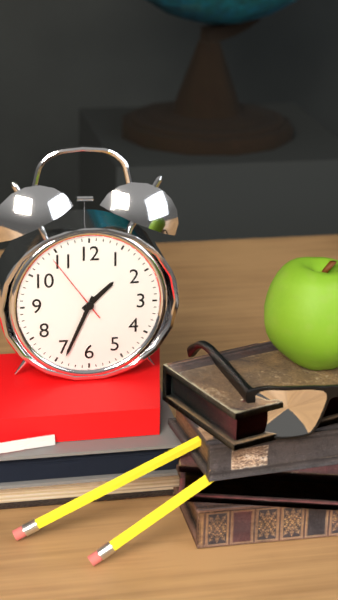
{"hour": 1, "minute": 34, "second": 54}
